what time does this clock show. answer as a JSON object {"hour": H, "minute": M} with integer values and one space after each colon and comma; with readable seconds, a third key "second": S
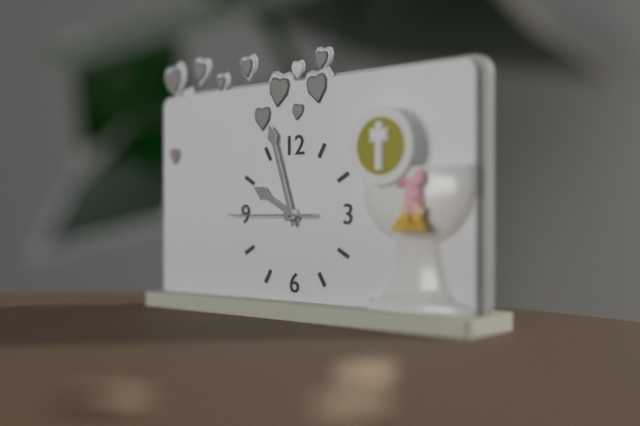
{"hour": 9, "minute": 57, "second": 45}
